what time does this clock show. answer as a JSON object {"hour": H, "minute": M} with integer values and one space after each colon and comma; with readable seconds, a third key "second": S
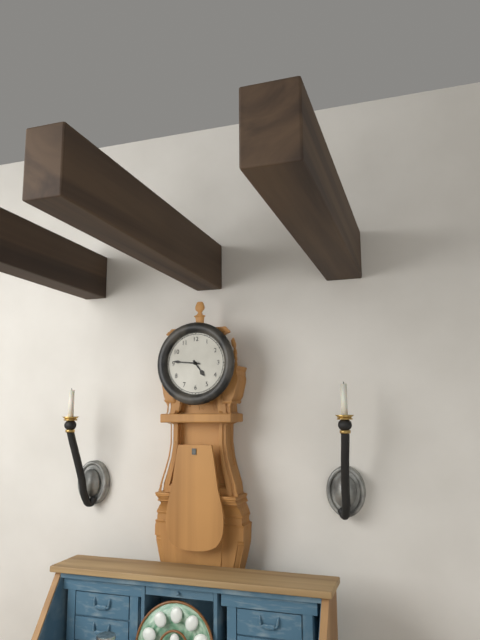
{"hour": 4, "minute": 46}
